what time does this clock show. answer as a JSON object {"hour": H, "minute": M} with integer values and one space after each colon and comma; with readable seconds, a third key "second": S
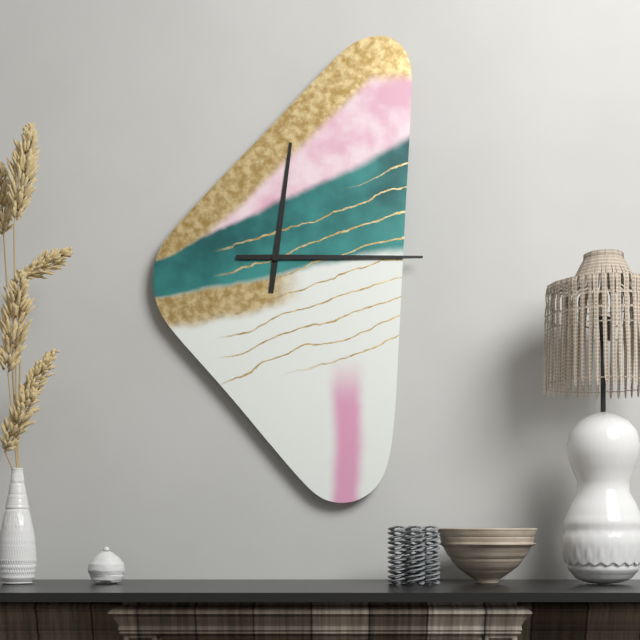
{"hour": 12, "minute": 15}
